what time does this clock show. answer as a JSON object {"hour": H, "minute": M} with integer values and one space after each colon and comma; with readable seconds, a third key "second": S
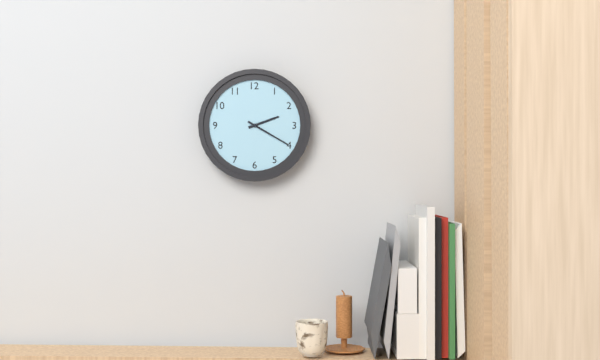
{"hour": 2, "minute": 20}
